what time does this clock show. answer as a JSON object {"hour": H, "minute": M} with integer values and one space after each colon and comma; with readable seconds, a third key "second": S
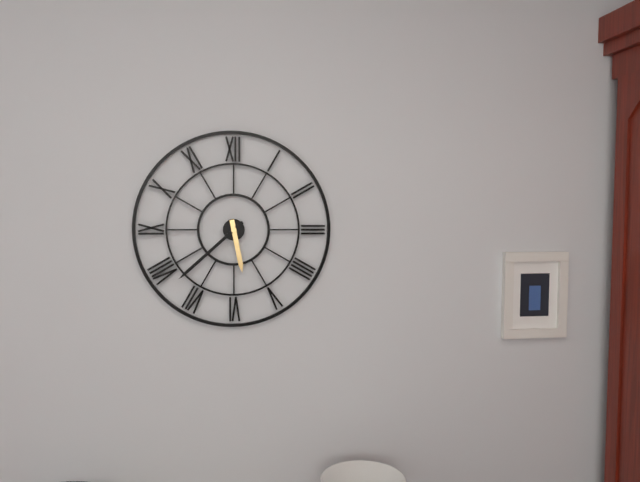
{"hour": 5, "minute": 38}
